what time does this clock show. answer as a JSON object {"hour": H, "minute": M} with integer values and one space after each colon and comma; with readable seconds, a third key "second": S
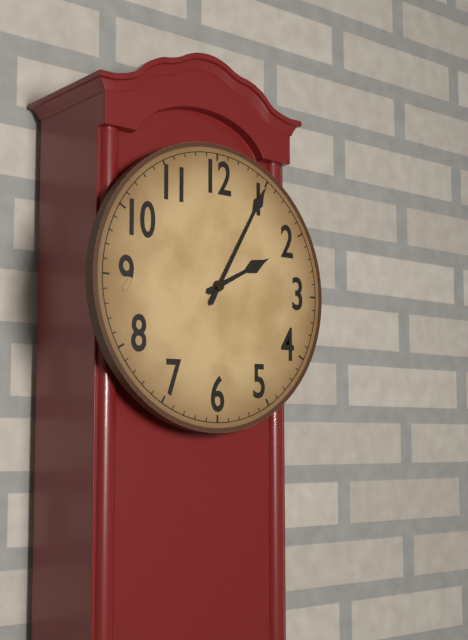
{"hour": 2, "minute": 5}
